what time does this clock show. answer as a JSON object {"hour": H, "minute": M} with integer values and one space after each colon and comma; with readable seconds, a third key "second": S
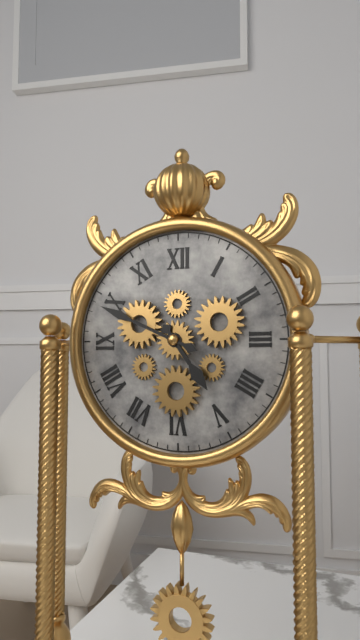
{"hour": 4, "minute": 49}
